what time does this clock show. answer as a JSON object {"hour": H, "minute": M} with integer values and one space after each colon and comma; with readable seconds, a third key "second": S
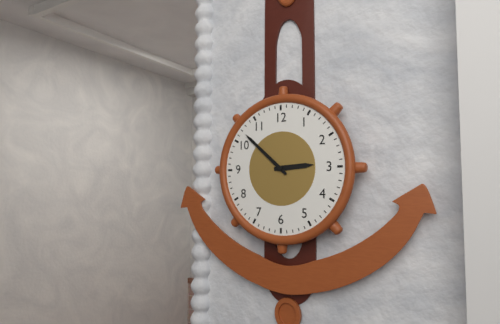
{"hour": 2, "minute": 52}
